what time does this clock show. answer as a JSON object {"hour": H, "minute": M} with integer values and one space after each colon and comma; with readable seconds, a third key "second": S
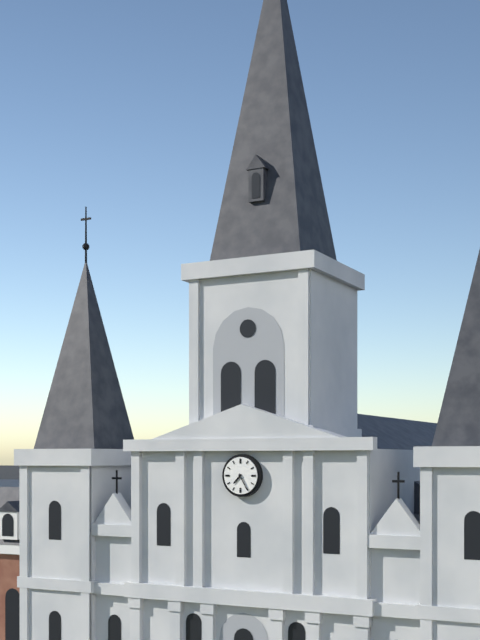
{"hour": 7, "minute": 25}
